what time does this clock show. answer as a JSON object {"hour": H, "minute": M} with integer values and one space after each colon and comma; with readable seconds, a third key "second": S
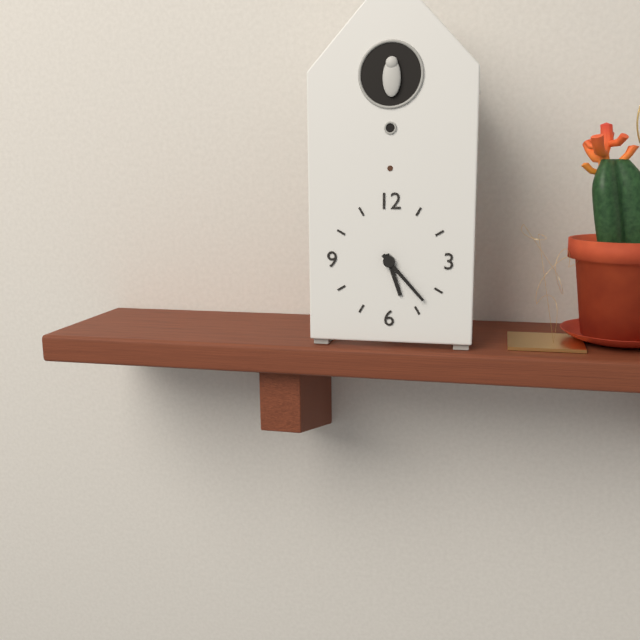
{"hour": 5, "minute": 23}
